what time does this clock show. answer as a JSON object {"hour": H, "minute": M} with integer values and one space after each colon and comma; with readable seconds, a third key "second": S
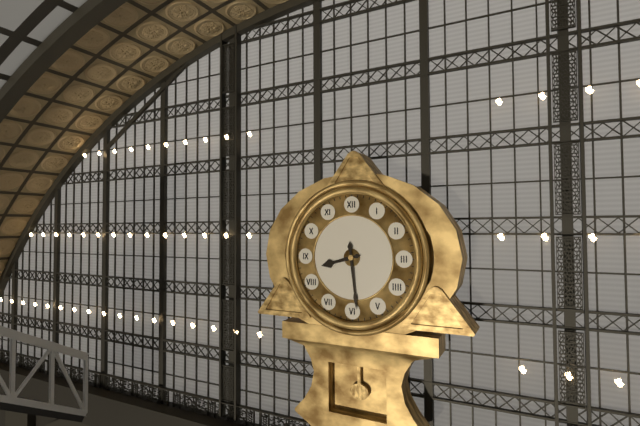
{"hour": 8, "minute": 29}
